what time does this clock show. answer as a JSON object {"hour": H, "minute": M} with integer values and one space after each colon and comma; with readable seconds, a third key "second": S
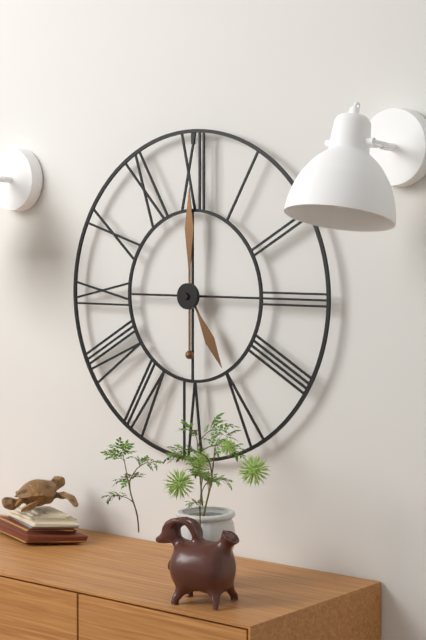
{"hour": 5, "minute": 0}
